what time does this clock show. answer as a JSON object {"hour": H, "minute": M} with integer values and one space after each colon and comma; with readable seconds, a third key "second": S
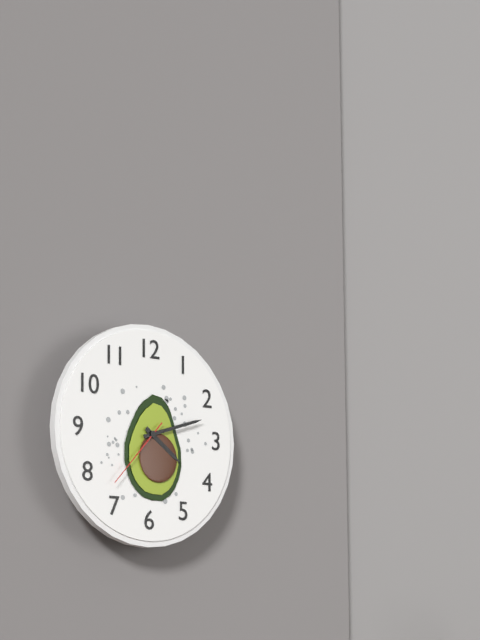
{"hour": 4, "minute": 12, "second": 37}
